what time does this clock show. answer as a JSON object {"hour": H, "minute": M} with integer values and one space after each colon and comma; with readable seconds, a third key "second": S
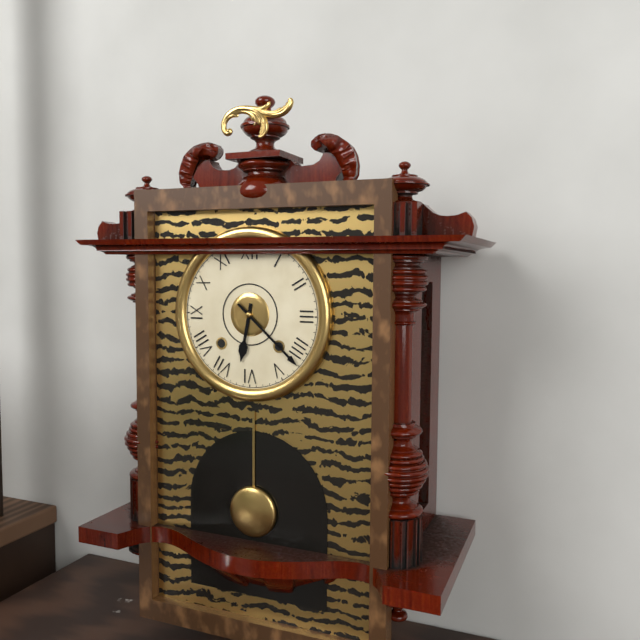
{"hour": 6, "minute": 22}
